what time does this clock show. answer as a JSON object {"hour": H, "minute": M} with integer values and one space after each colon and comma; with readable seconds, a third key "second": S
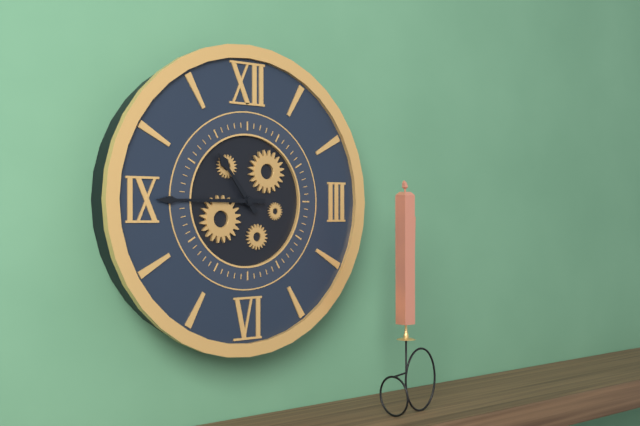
{"hour": 10, "minute": 45}
